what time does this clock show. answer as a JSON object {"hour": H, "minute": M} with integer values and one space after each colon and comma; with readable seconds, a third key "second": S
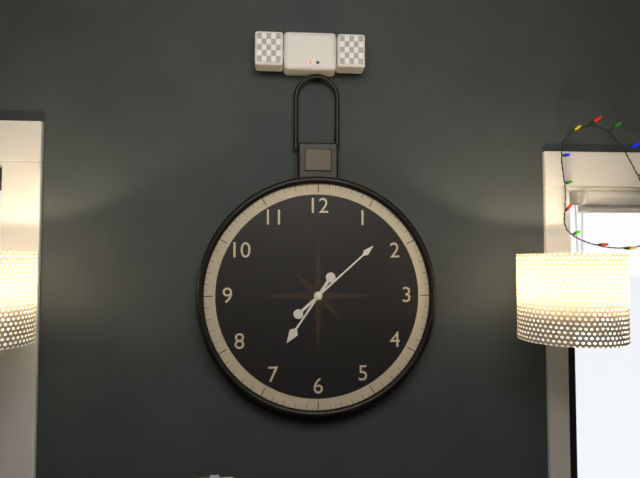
{"hour": 7, "minute": 8}
